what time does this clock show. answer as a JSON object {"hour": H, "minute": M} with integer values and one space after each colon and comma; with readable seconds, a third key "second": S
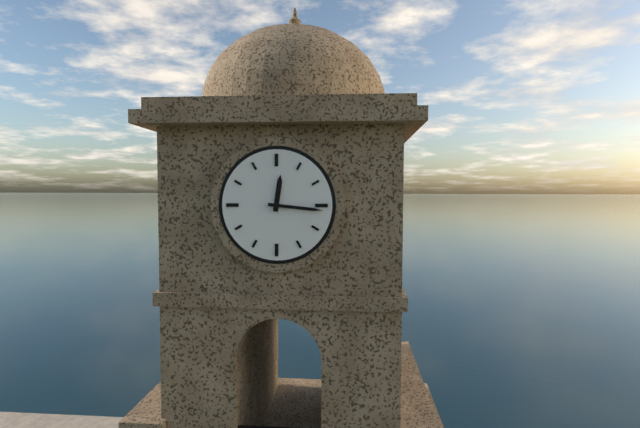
{"hour": 12, "minute": 16}
